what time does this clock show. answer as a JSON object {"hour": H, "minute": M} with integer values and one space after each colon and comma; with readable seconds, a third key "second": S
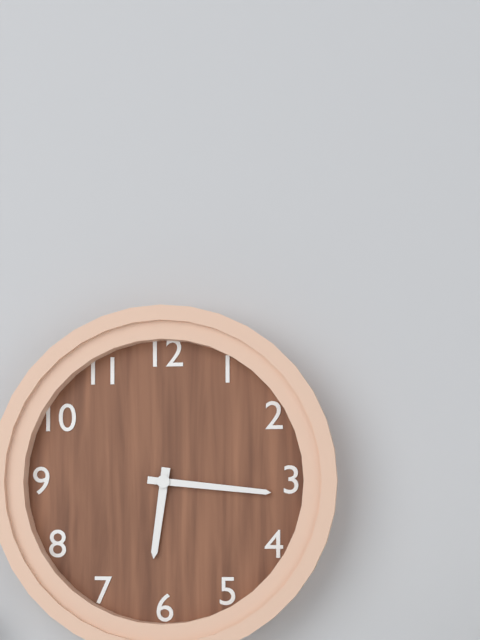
{"hour": 6, "minute": 16}
